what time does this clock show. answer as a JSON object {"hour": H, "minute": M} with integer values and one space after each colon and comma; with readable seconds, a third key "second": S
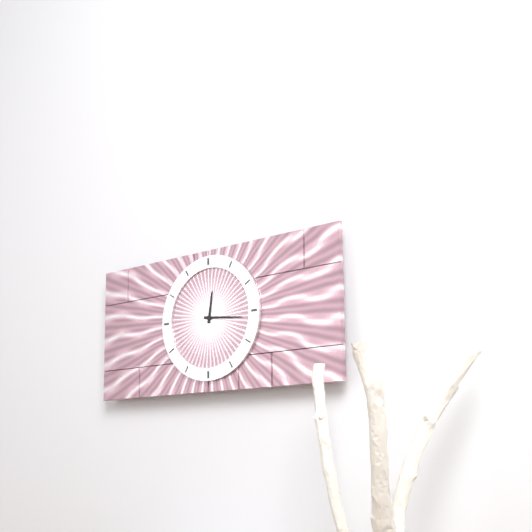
{"hour": 12, "minute": 16}
